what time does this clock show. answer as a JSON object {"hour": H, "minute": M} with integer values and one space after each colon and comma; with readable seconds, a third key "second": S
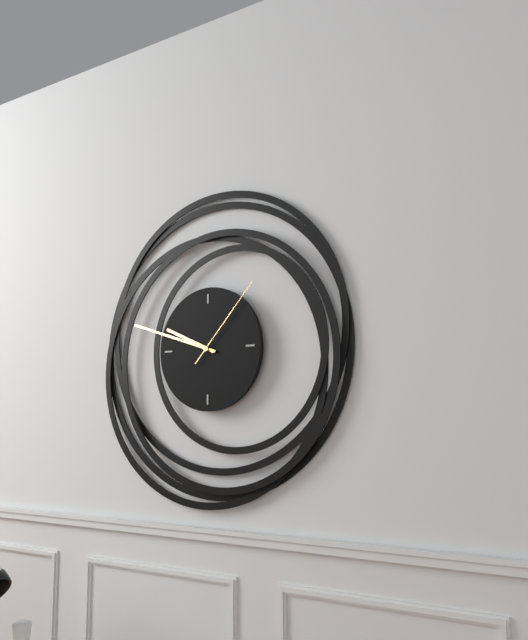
{"hour": 9, "minute": 48, "second": 7}
